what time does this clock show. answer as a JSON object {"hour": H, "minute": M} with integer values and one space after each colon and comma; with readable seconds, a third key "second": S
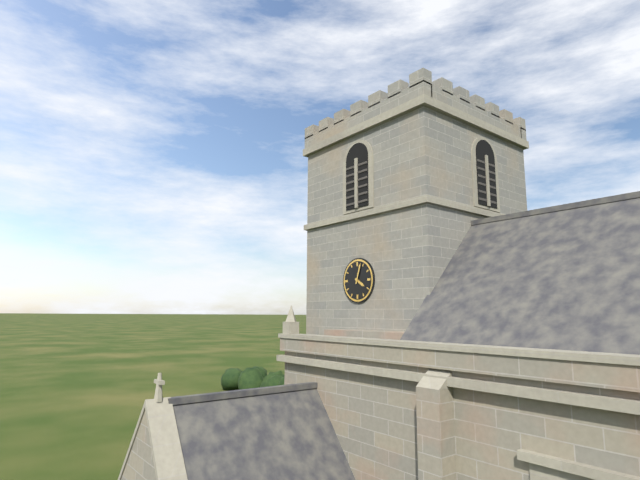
{"hour": 4, "minute": 3}
